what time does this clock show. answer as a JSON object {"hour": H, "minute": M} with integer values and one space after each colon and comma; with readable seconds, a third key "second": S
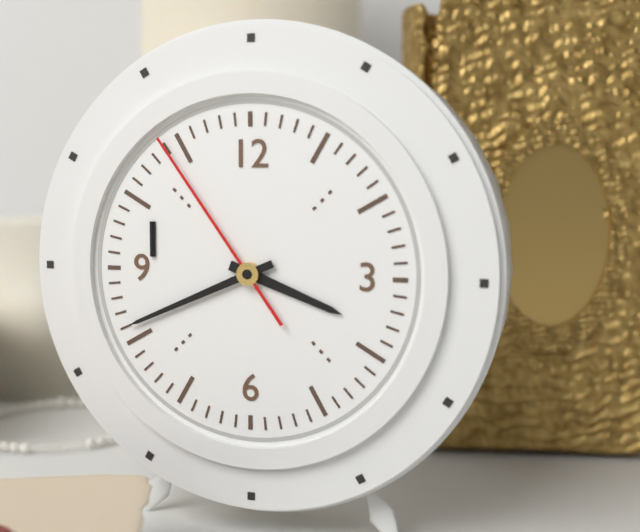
{"hour": 3, "minute": 41, "second": 54}
